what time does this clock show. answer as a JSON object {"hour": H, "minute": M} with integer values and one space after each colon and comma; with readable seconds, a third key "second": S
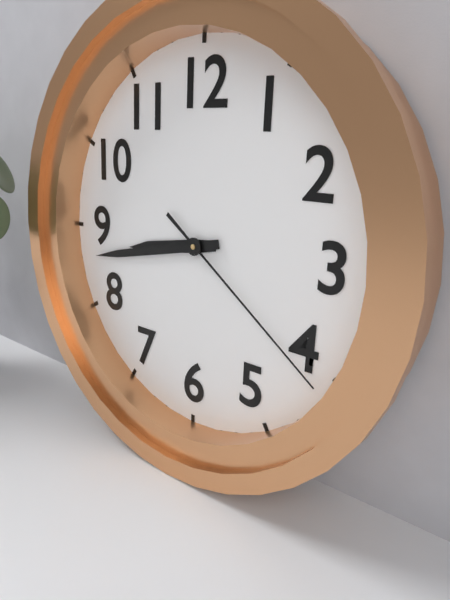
{"hour": 8, "minute": 43, "second": 21}
